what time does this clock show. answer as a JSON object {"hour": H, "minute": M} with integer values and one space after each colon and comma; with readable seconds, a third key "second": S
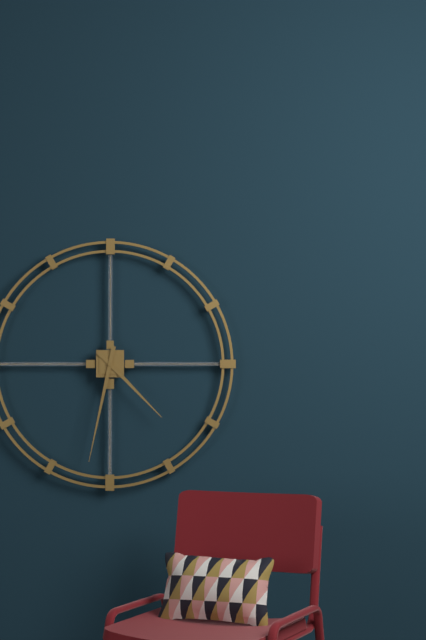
{"hour": 4, "minute": 32}
